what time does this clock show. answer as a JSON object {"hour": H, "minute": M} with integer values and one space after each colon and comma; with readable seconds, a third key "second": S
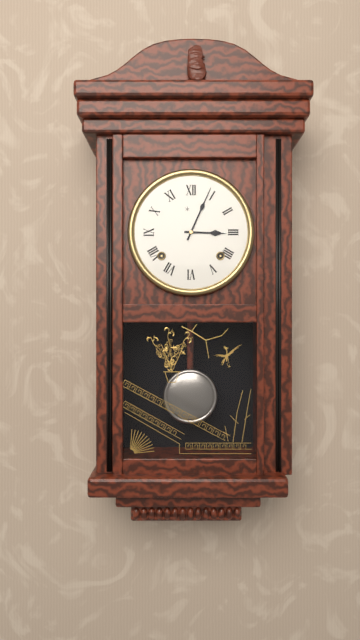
{"hour": 3, "minute": 4}
